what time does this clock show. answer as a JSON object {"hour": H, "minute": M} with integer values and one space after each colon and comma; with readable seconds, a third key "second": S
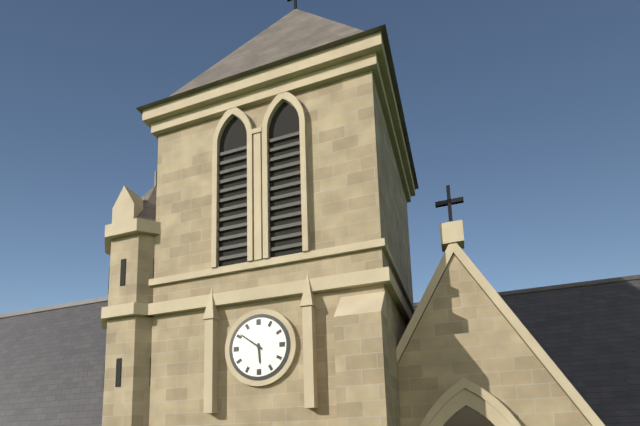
{"hour": 5, "minute": 51}
